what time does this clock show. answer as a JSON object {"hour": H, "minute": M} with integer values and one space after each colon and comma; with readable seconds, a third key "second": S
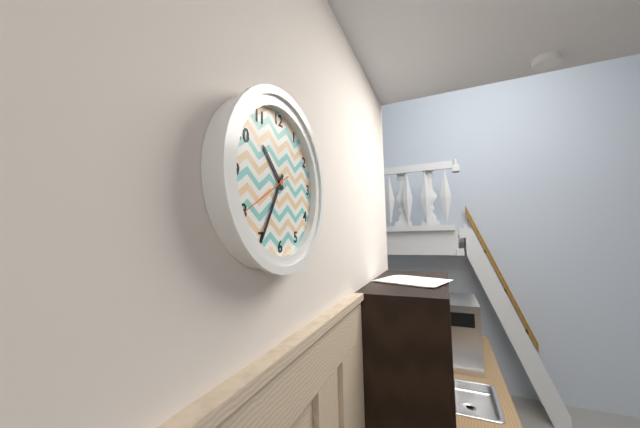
{"hour": 10, "minute": 35, "second": 40}
